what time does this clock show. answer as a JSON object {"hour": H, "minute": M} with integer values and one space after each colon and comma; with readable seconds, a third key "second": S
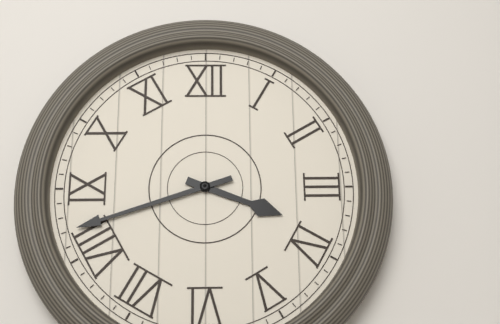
{"hour": 3, "minute": 42}
